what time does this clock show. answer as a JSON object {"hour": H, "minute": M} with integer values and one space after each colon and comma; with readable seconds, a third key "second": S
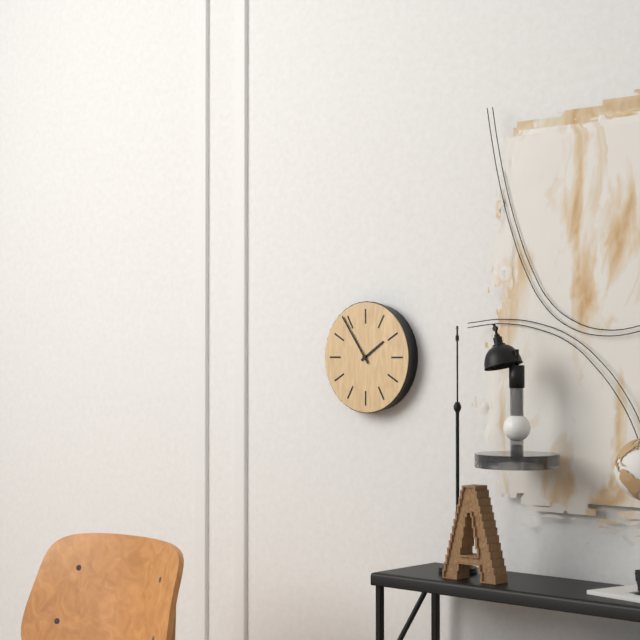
{"hour": 1, "minute": 54}
